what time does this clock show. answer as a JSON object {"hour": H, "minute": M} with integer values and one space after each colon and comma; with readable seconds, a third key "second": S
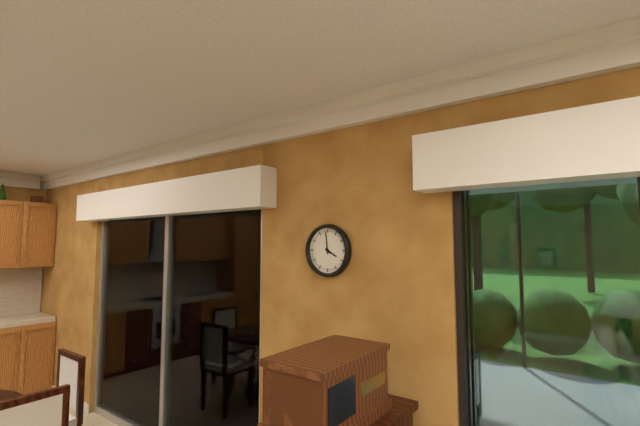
{"hour": 3, "minute": 59}
